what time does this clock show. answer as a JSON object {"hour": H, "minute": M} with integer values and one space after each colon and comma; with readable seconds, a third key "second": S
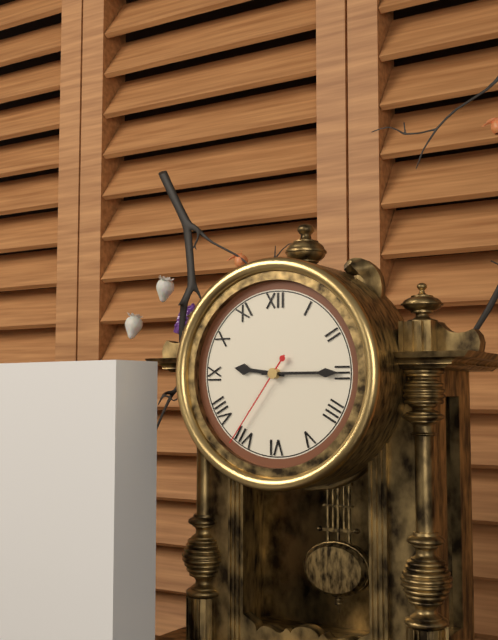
{"hour": 9, "minute": 15, "second": 36}
